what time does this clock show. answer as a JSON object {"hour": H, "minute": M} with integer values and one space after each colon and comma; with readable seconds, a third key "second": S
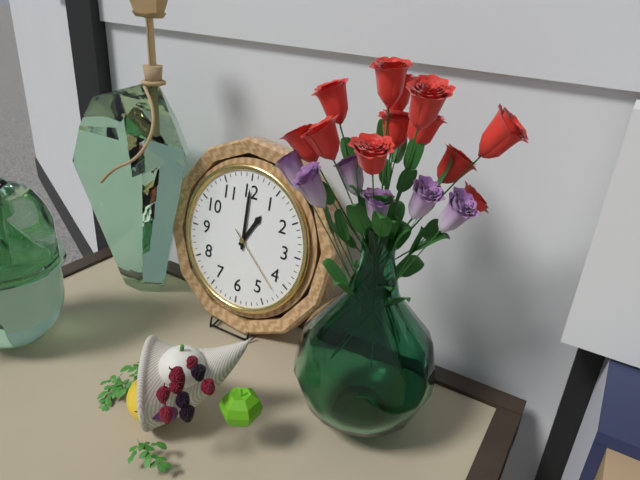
{"hour": 1, "minute": 0, "second": 22}
